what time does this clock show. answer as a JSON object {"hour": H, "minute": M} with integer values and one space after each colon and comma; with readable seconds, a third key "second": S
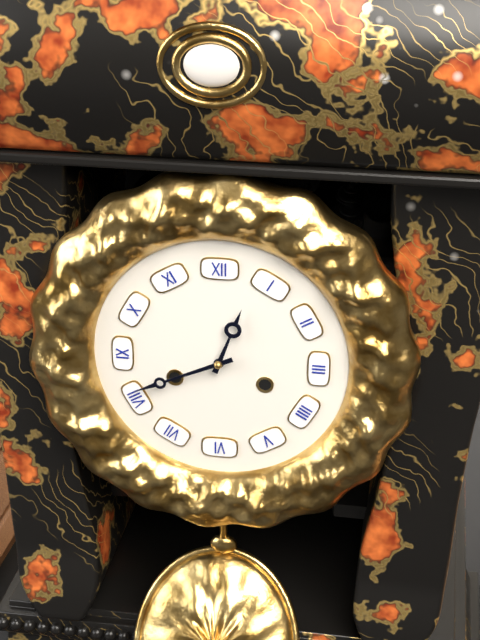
{"hour": 12, "minute": 41}
